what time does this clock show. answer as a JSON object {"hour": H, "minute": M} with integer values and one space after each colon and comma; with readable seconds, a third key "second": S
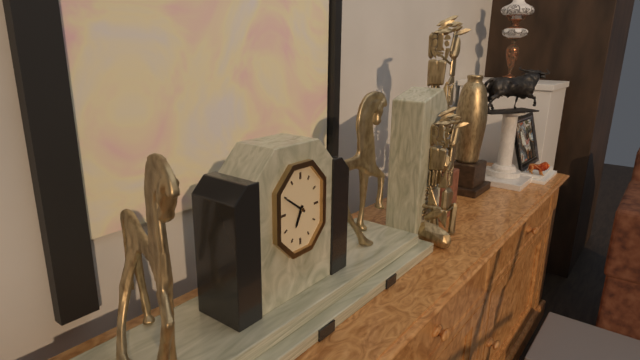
{"hour": 6, "minute": 51}
